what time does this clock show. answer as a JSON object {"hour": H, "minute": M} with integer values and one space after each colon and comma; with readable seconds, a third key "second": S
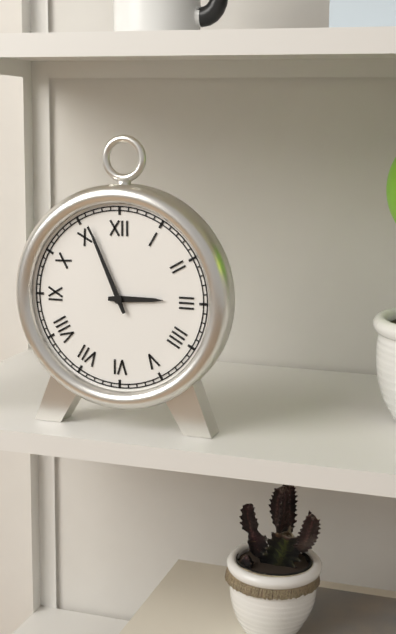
{"hour": 2, "minute": 56}
